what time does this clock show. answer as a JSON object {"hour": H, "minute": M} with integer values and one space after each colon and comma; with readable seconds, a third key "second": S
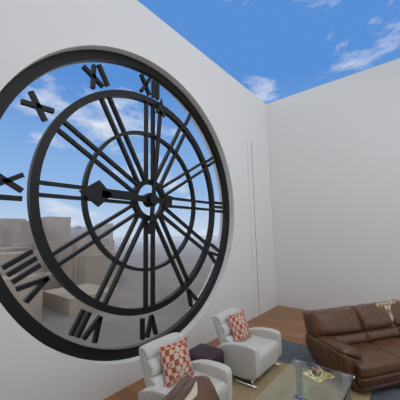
{"hour": 9, "minute": 1}
